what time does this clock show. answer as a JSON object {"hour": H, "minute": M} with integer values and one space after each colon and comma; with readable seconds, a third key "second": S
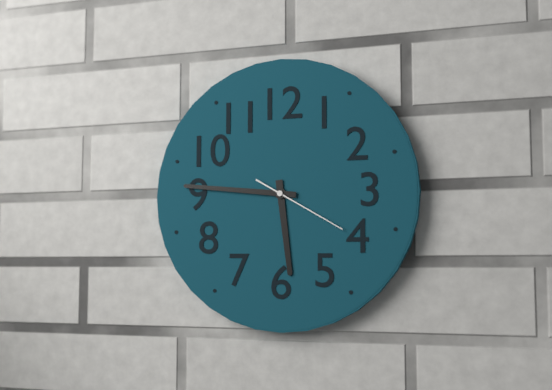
{"hour": 5, "minute": 46, "second": 20}
